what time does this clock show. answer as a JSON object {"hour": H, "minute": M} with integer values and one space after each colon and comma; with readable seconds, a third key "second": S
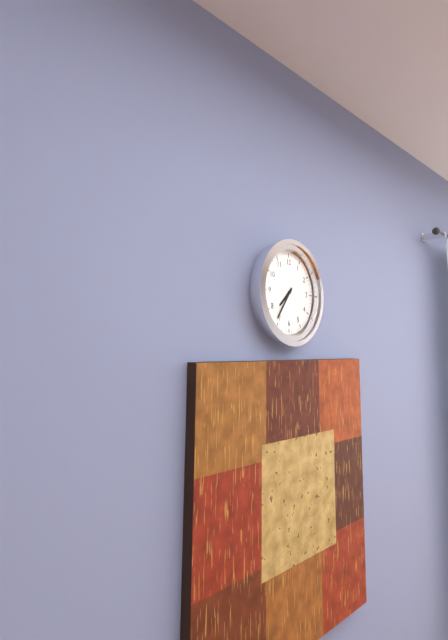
{"hour": 7, "minute": 36}
